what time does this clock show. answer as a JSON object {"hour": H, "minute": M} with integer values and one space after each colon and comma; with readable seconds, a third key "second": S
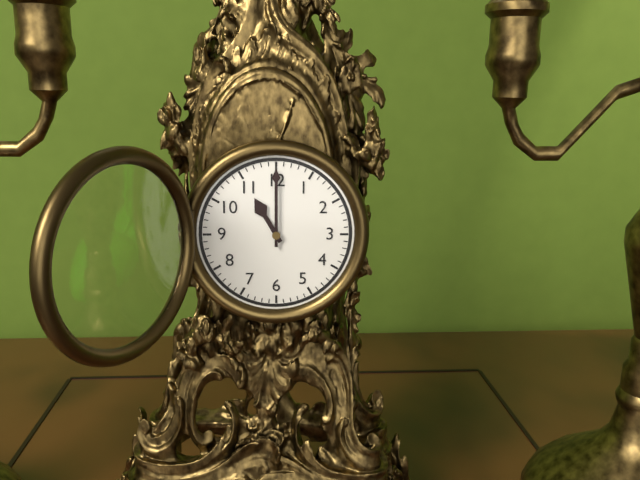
{"hour": 11, "minute": 0}
